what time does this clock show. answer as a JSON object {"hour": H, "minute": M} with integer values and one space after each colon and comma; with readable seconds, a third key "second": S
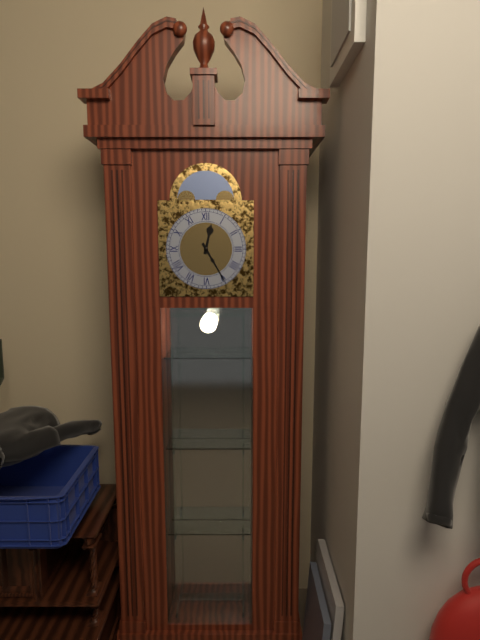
{"hour": 12, "minute": 25}
